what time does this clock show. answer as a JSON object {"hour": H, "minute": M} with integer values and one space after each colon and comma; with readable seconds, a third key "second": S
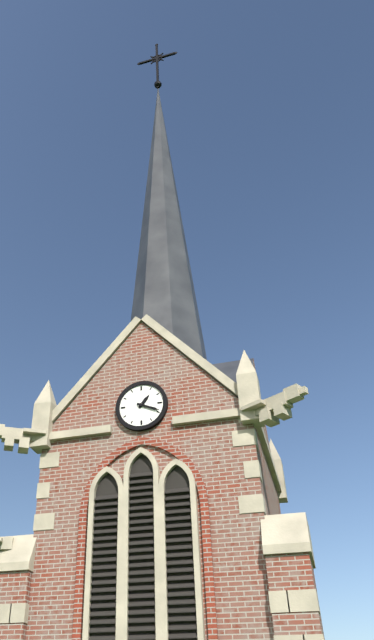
{"hour": 1, "minute": 19}
